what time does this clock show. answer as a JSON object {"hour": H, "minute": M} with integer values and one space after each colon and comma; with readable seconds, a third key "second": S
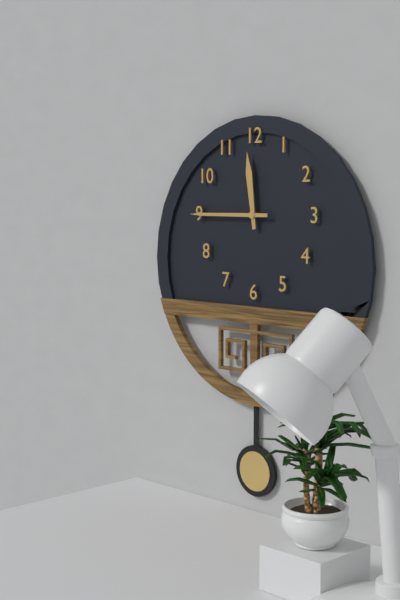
{"hour": 11, "minute": 45}
